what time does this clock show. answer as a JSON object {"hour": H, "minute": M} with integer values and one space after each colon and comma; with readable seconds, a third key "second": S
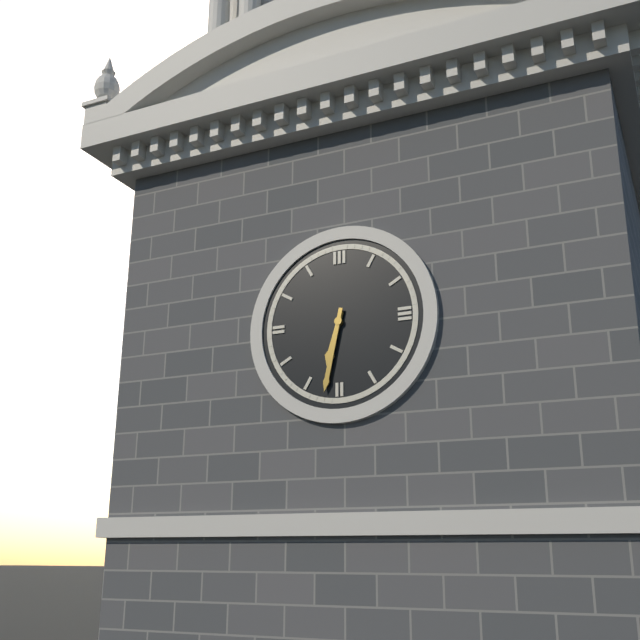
{"hour": 6, "minute": 32}
